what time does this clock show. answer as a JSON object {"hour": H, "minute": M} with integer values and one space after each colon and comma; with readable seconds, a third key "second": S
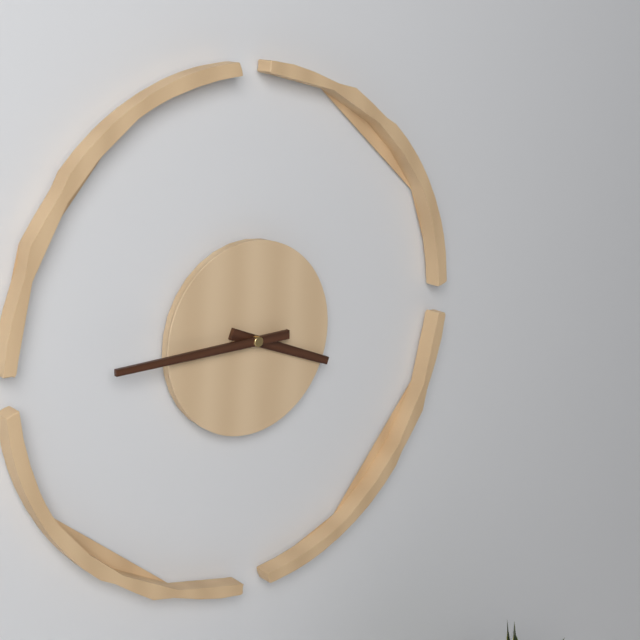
{"hour": 3, "minute": 45}
